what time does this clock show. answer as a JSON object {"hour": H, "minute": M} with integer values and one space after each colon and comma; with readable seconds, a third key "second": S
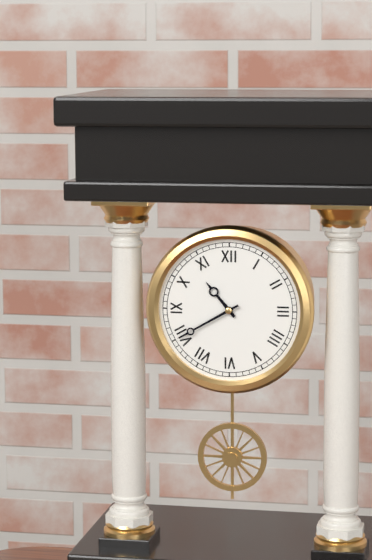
{"hour": 10, "minute": 40}
